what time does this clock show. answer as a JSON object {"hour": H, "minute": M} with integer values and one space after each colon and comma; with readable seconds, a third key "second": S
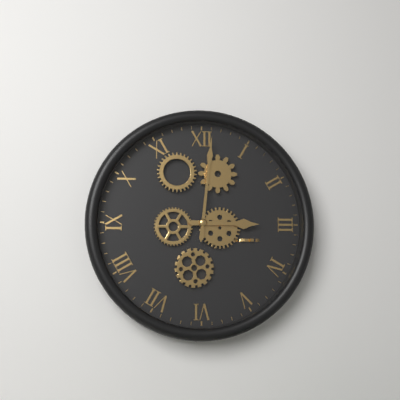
{"hour": 3, "minute": 1}
